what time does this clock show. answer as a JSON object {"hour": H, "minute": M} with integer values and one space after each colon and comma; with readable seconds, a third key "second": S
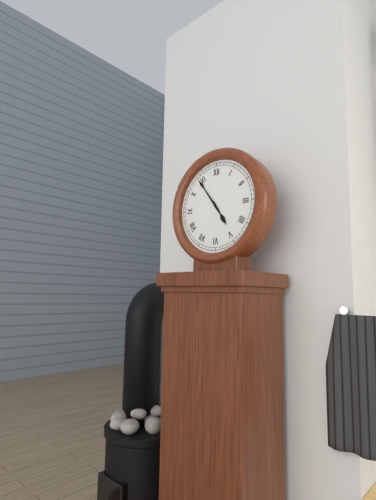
{"hour": 4, "minute": 54}
